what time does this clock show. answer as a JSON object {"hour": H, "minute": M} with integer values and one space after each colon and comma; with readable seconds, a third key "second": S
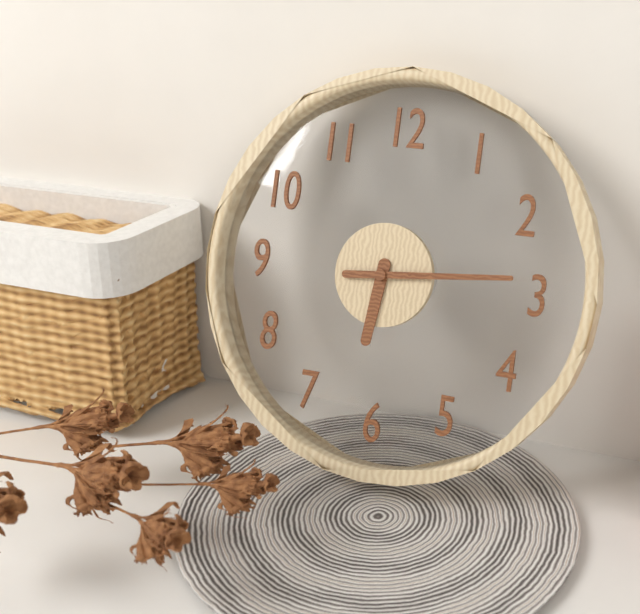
{"hour": 6, "minute": 14}
